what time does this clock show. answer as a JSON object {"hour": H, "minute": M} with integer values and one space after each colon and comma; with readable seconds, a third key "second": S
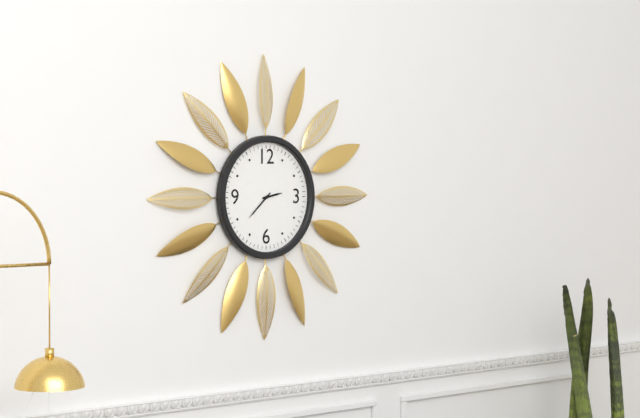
{"hour": 2, "minute": 38}
